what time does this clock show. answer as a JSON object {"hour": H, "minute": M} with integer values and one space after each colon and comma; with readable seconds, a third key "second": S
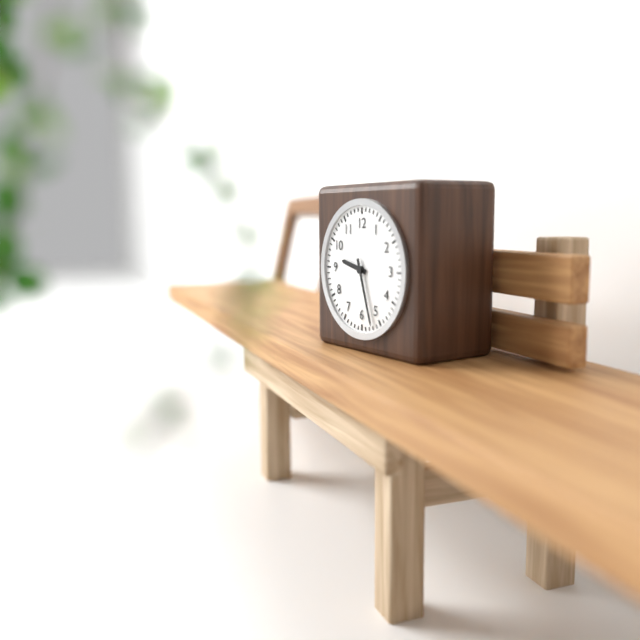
{"hour": 9, "minute": 27}
